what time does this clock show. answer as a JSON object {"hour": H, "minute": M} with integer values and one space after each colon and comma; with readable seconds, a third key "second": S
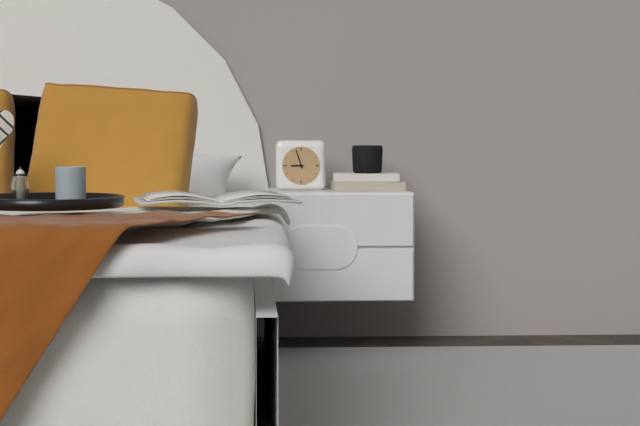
{"hour": 8, "minute": 57}
